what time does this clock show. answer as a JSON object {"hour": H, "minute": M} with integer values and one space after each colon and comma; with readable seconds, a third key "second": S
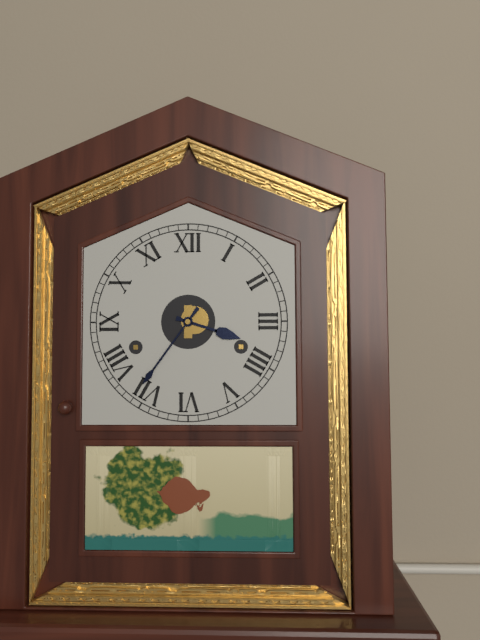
{"hour": 3, "minute": 36}
